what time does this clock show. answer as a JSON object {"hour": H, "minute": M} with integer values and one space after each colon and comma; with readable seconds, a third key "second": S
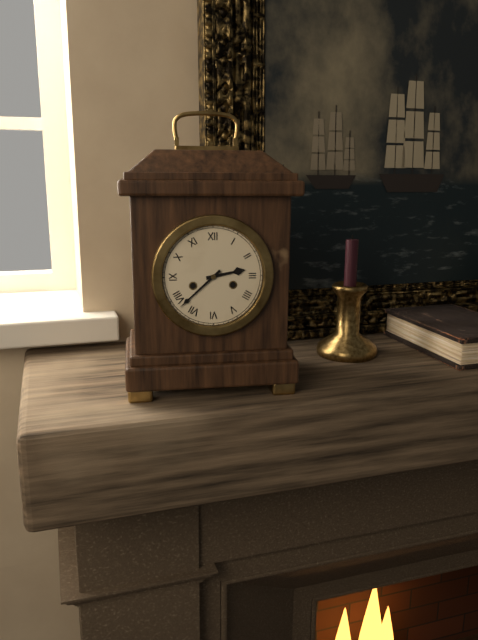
{"hour": 2, "minute": 38}
